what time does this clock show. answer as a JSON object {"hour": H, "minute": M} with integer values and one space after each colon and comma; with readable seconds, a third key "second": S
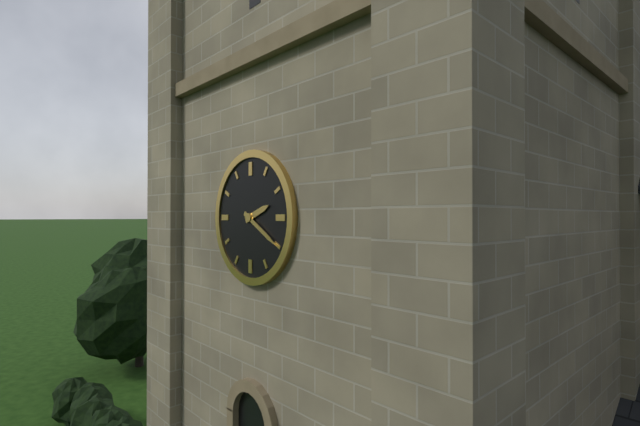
{"hour": 2, "minute": 20}
